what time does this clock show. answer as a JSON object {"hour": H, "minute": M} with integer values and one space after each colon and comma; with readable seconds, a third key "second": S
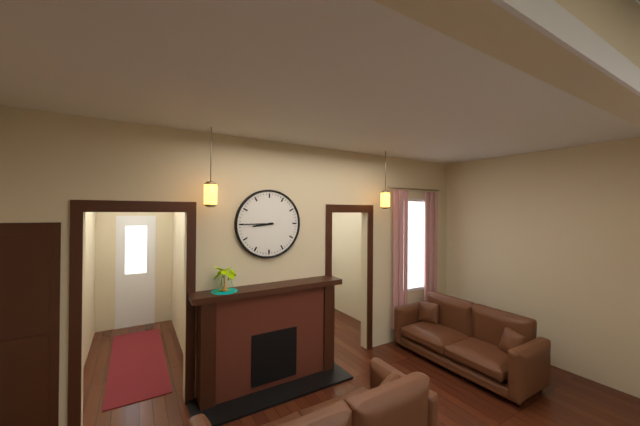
{"hour": 8, "minute": 45}
